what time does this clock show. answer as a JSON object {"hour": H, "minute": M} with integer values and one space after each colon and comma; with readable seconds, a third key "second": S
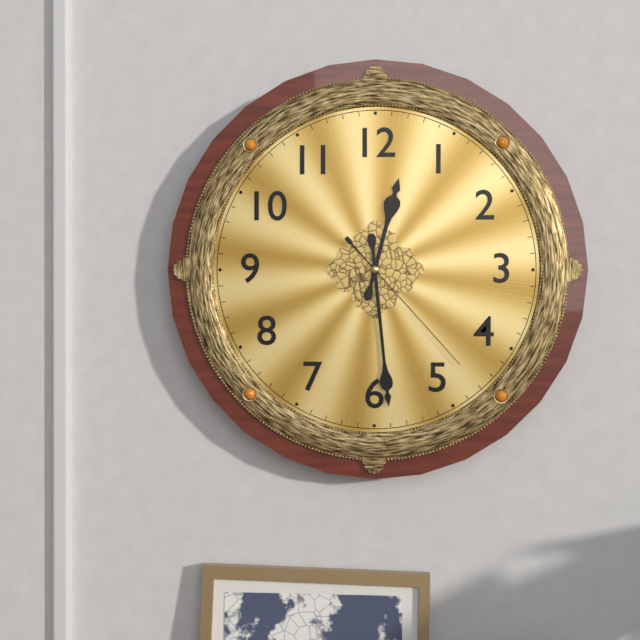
{"hour": 12, "minute": 29, "second": 23}
